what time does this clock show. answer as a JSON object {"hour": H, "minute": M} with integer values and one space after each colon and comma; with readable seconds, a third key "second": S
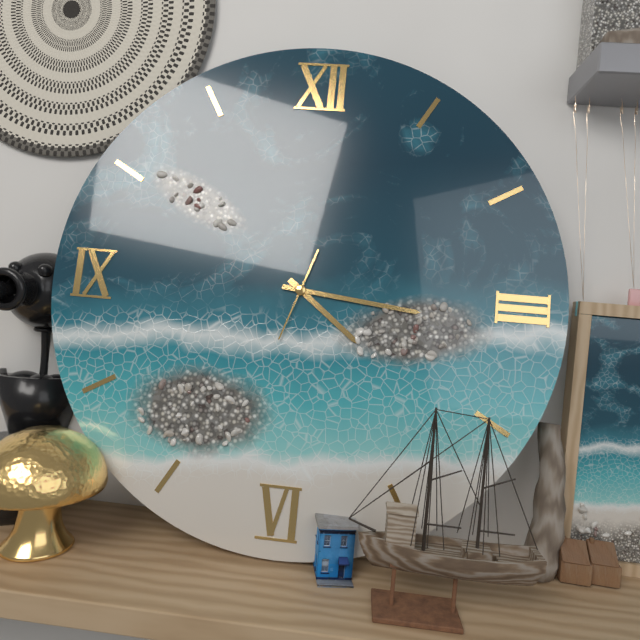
{"hour": 4, "minute": 16, "second": 33}
